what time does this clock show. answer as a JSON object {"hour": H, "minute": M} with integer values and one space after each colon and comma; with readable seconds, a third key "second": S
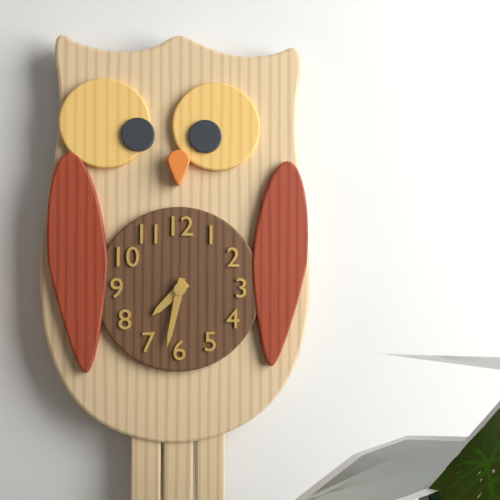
{"hour": 7, "minute": 32}
